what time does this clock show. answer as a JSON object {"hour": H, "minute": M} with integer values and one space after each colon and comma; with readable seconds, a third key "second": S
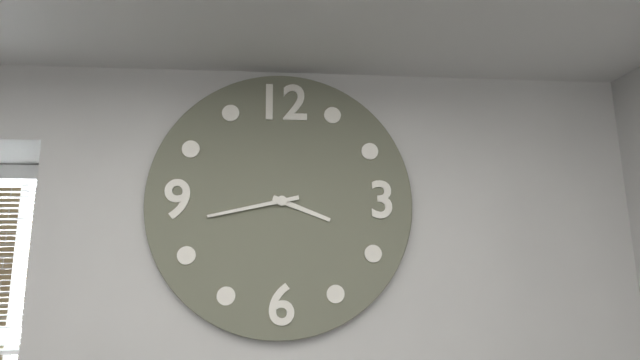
{"hour": 3, "minute": 43}
